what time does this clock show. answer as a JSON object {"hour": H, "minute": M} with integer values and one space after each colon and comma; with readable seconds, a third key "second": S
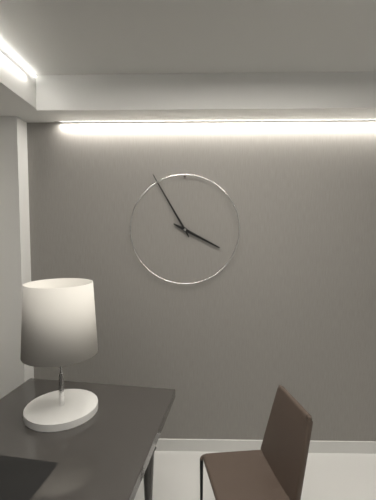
{"hour": 3, "minute": 55}
